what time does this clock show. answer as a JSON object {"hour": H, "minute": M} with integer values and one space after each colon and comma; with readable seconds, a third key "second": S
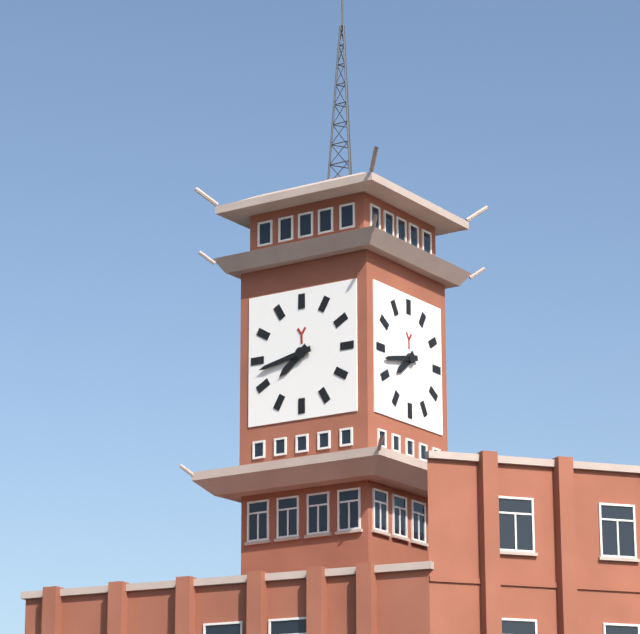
{"hour": 7, "minute": 43}
